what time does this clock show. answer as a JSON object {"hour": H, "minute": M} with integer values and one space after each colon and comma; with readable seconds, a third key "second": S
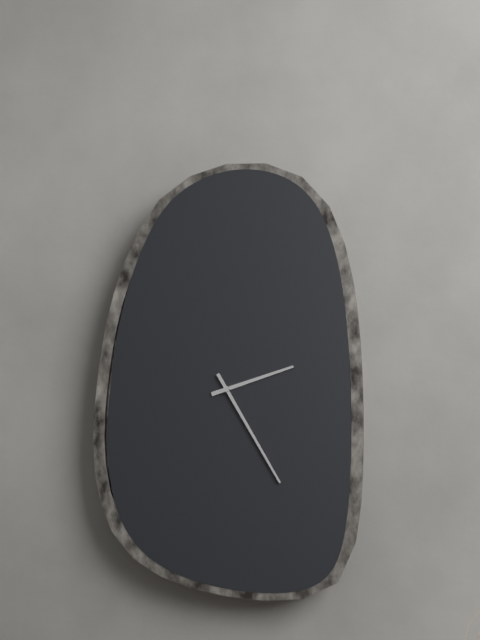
{"hour": 2, "minute": 25}
